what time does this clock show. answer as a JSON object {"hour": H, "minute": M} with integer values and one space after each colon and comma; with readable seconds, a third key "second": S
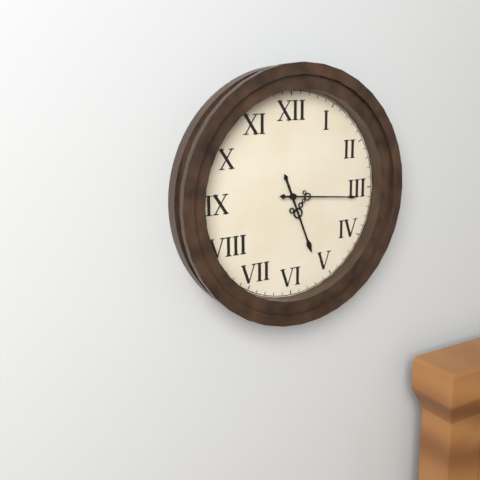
{"hour": 5, "minute": 16}
